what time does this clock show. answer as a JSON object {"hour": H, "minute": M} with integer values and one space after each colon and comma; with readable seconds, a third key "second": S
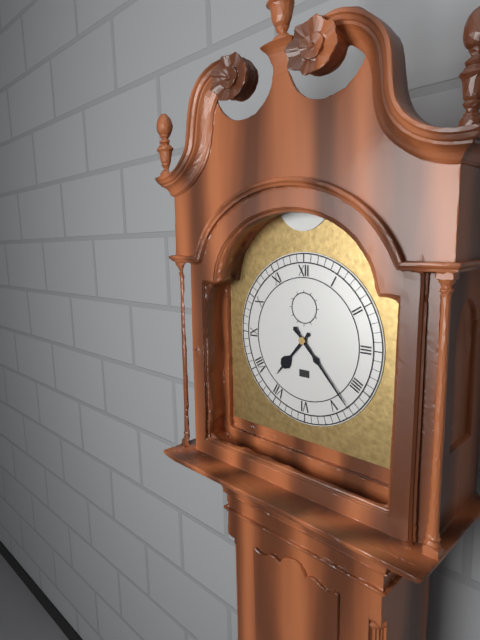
{"hour": 7, "minute": 23}
